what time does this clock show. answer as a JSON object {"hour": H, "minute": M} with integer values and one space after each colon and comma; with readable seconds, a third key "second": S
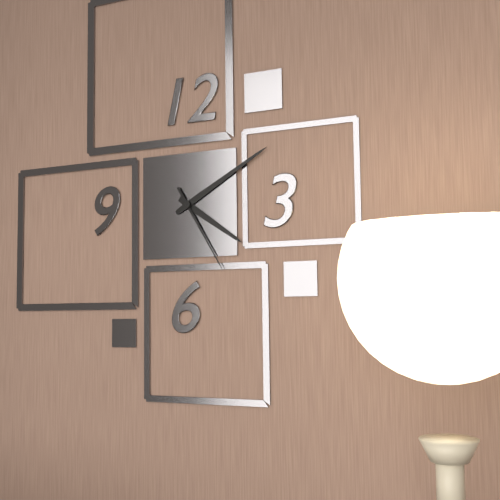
{"hour": 4, "minute": 10, "second": 25}
